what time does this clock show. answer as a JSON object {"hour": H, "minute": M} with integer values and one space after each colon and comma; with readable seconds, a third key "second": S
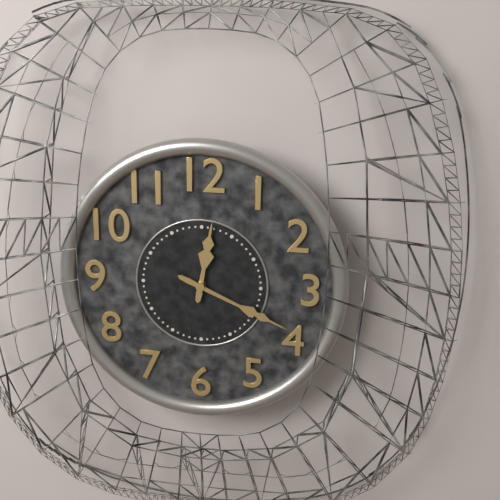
{"hour": 12, "minute": 19}
